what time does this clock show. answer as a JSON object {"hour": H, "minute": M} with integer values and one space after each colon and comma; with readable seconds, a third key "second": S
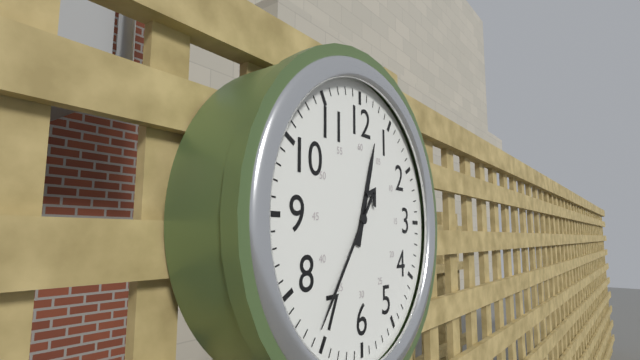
{"hour": 12, "minute": 36}
